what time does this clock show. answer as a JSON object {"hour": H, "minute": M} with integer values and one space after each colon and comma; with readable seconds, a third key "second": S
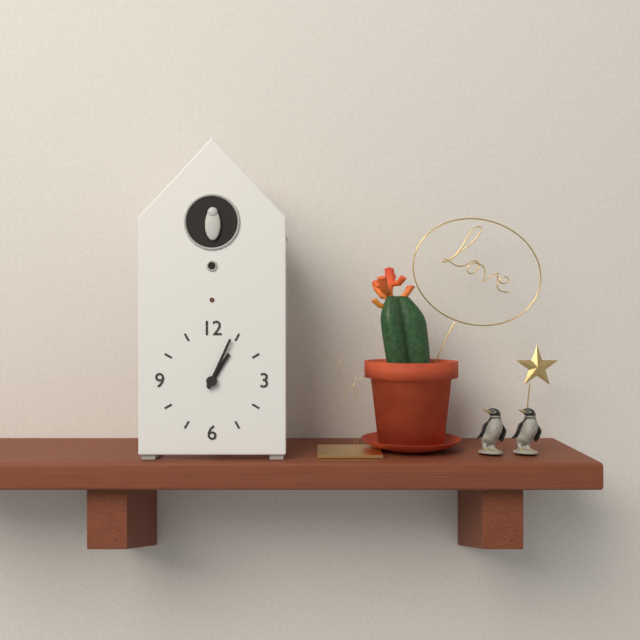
{"hour": 1, "minute": 4}
